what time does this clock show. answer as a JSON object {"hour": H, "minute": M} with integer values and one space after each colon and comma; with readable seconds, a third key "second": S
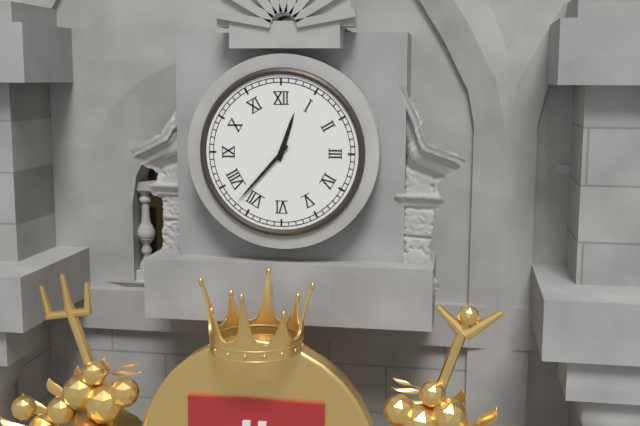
{"hour": 12, "minute": 37}
